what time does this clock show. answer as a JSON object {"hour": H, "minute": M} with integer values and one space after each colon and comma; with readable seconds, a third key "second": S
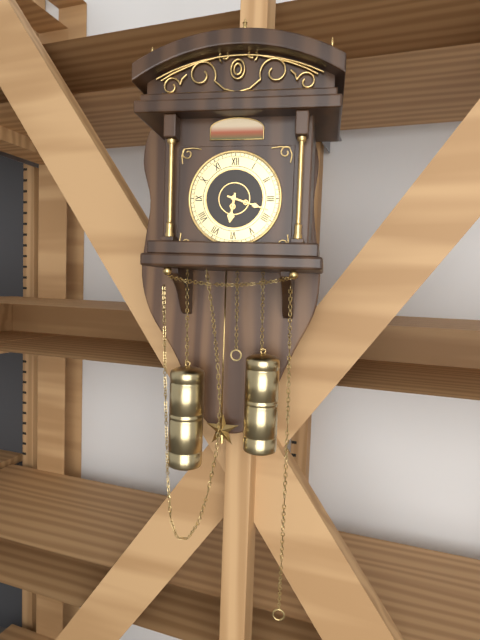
{"hour": 6, "minute": 18}
